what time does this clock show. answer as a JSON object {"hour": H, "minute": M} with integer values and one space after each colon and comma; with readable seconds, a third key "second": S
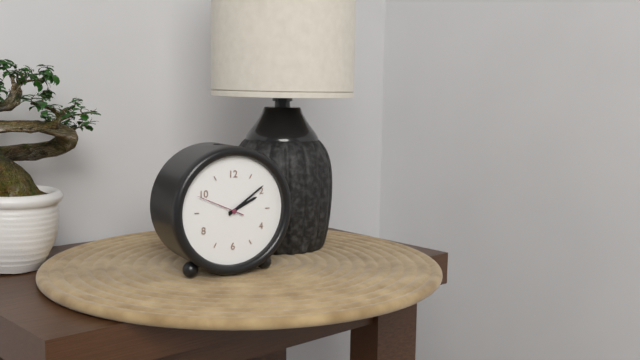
{"hour": 2, "minute": 9}
